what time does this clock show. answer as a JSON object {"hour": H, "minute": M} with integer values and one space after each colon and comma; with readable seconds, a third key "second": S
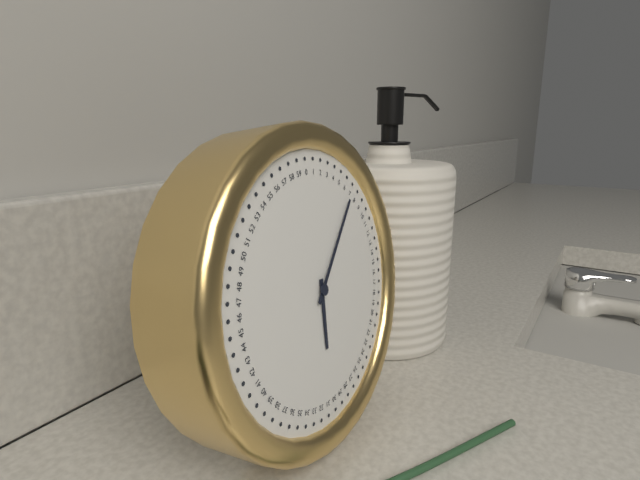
{"hour": 6, "minute": 7}
